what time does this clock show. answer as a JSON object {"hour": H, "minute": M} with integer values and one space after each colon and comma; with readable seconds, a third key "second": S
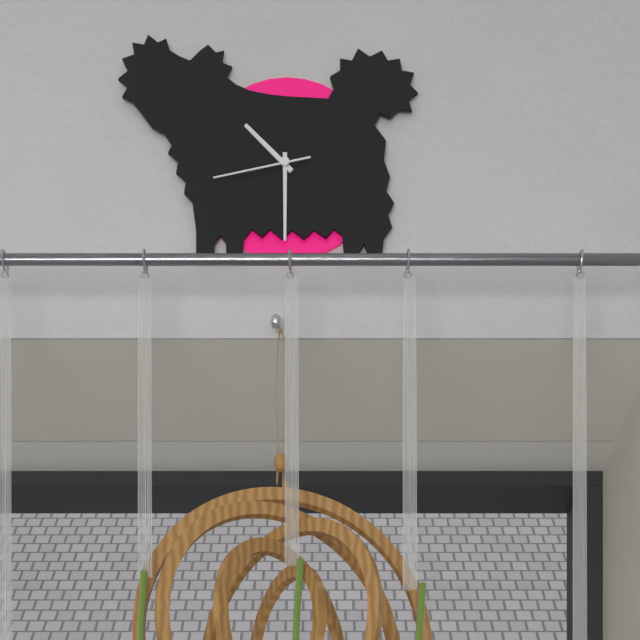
{"hour": 10, "minute": 30, "second": 43}
